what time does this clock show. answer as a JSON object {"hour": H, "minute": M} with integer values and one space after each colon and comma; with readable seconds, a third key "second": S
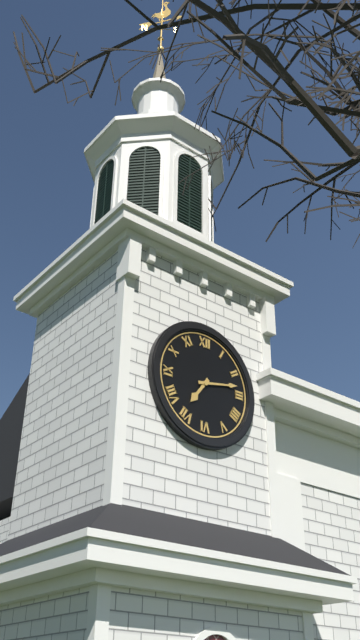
{"hour": 7, "minute": 13}
